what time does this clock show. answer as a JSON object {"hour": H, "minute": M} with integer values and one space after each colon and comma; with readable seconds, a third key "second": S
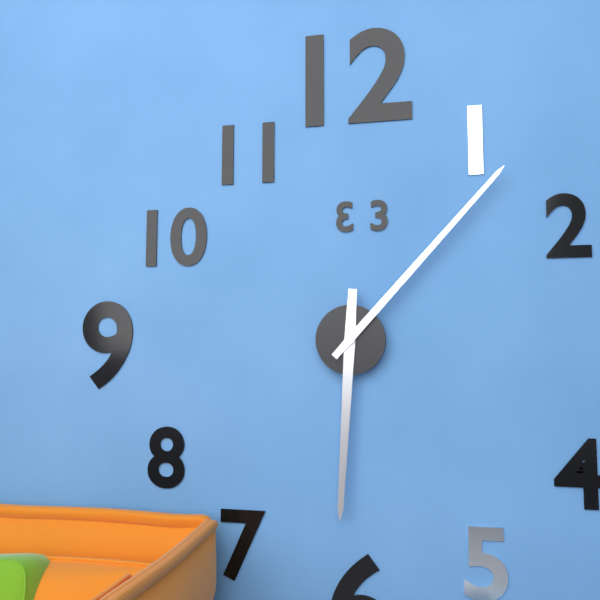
{"hour": 6, "minute": 7}
